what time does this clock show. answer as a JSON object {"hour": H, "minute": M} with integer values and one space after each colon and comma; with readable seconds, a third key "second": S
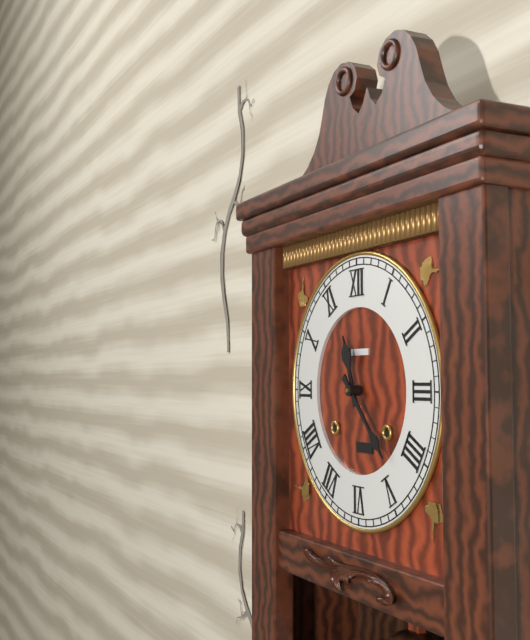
{"hour": 11, "minute": 23}
